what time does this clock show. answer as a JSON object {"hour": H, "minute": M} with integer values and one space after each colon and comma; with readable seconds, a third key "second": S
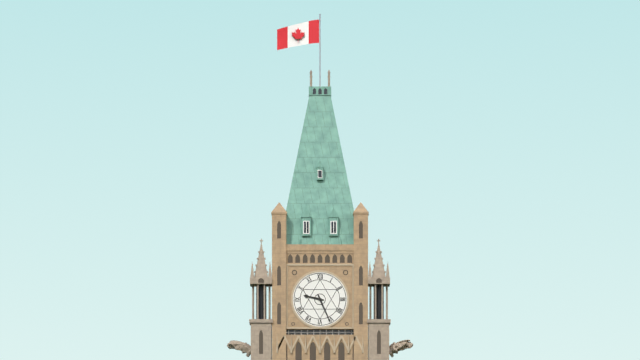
{"hour": 9, "minute": 26}
